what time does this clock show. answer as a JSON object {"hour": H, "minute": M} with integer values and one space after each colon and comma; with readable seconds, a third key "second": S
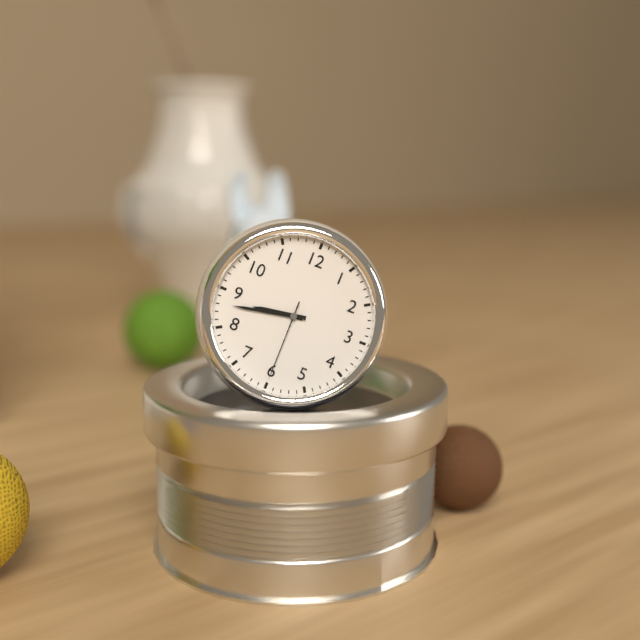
{"hour": 8, "minute": 43, "second": 30}
